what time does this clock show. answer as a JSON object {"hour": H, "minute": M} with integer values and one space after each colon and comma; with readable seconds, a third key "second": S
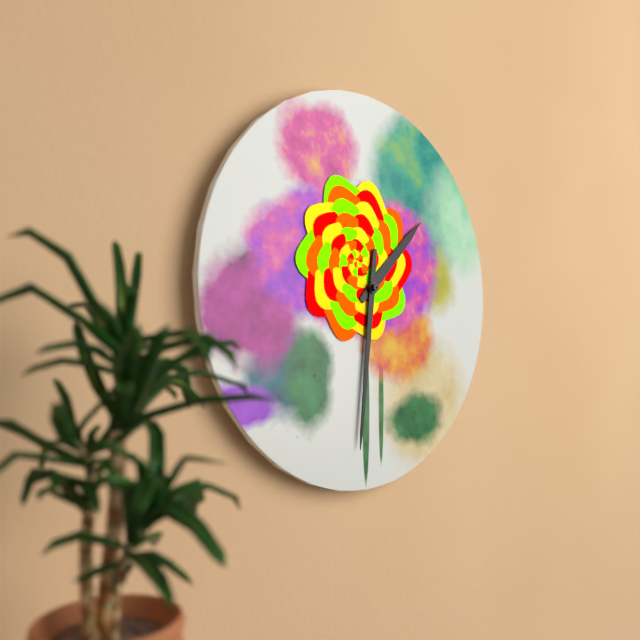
{"hour": 1, "minute": 31}
